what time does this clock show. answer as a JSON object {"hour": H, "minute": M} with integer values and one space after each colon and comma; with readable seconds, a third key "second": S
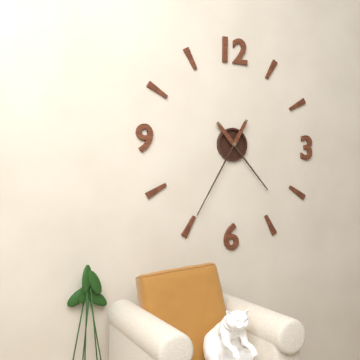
{"hour": 4, "minute": 35}
